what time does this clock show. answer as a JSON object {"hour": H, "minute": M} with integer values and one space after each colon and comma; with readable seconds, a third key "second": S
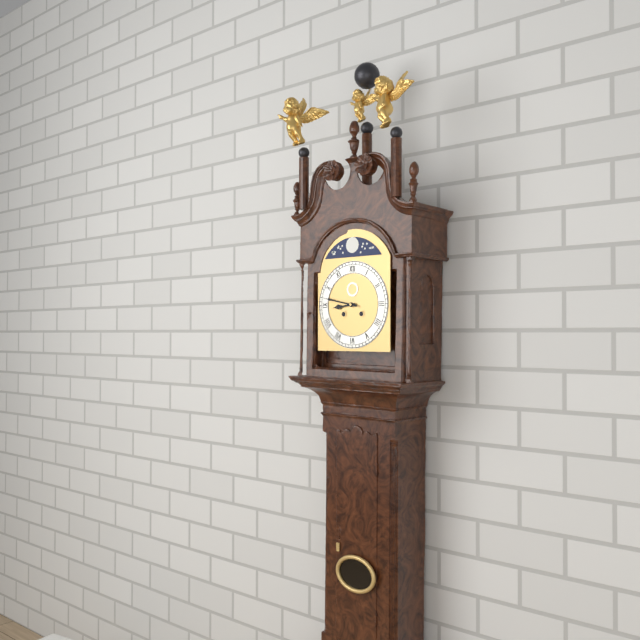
{"hour": 8, "minute": 47}
